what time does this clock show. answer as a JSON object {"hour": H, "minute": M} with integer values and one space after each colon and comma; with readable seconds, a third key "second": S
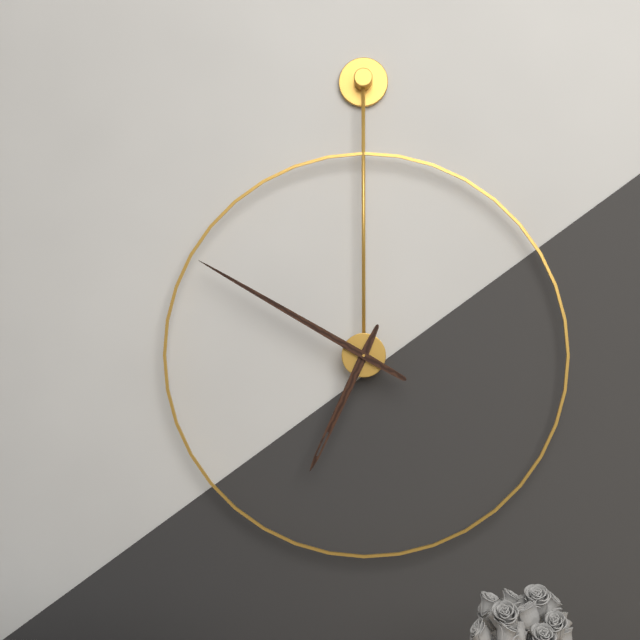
{"hour": 6, "minute": 50}
